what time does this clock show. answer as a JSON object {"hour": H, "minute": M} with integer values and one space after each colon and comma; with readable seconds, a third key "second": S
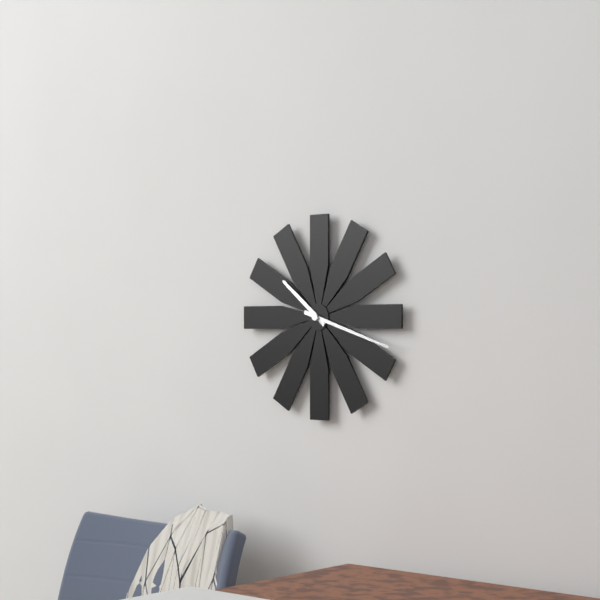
{"hour": 10, "minute": 18}
